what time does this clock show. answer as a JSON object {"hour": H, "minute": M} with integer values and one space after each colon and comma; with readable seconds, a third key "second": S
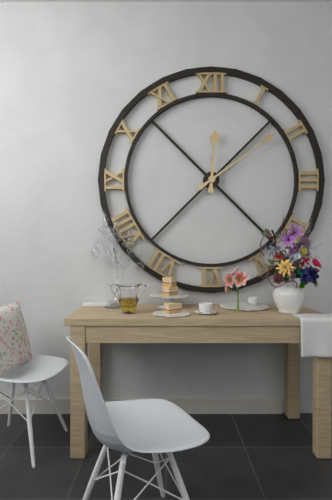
{"hour": 12, "minute": 9}
